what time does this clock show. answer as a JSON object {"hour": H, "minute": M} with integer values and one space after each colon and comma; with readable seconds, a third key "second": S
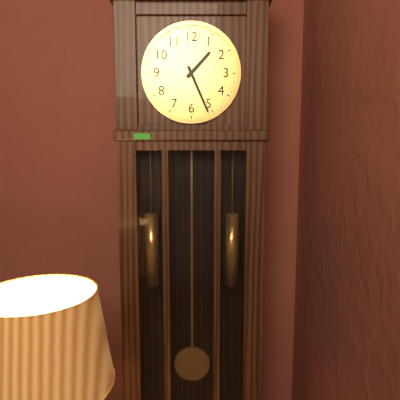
{"hour": 1, "minute": 26}
